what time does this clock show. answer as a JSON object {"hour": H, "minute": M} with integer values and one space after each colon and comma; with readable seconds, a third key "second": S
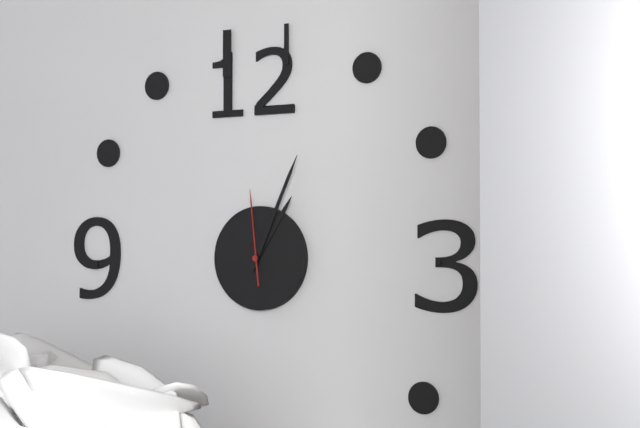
{"hour": 1, "minute": 4, "second": 59}
